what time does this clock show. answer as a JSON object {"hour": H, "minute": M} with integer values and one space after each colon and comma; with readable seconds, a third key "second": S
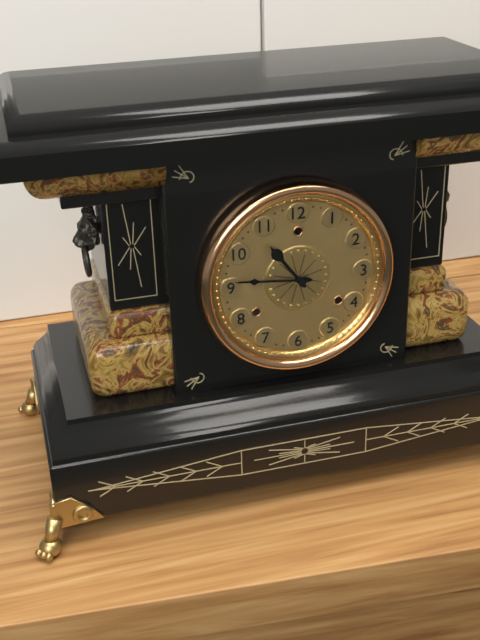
{"hour": 10, "minute": 46}
